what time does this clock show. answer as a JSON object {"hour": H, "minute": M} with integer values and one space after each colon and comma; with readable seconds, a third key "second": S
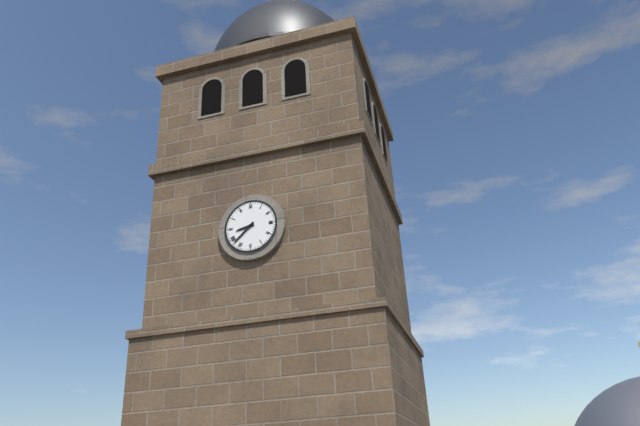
{"hour": 8, "minute": 38}
